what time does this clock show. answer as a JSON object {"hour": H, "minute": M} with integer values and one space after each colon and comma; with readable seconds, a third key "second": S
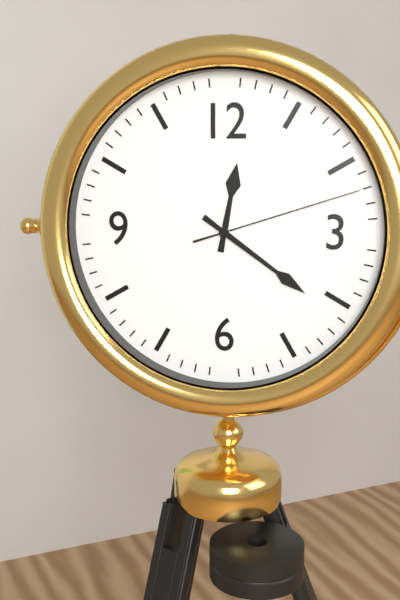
{"hour": 12, "minute": 21, "second": 12}
